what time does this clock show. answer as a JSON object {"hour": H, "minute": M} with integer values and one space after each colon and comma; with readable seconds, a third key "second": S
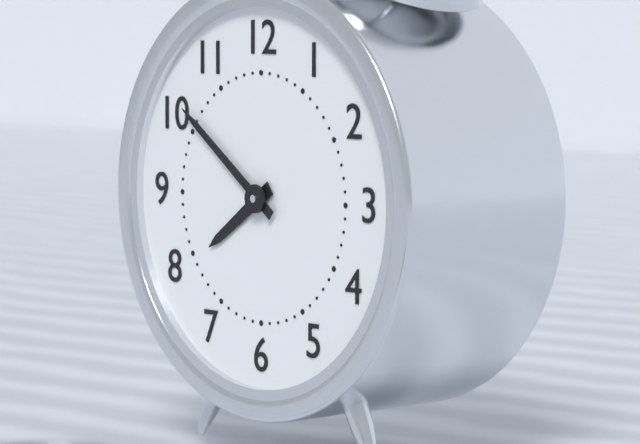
{"hour": 7, "minute": 51}
